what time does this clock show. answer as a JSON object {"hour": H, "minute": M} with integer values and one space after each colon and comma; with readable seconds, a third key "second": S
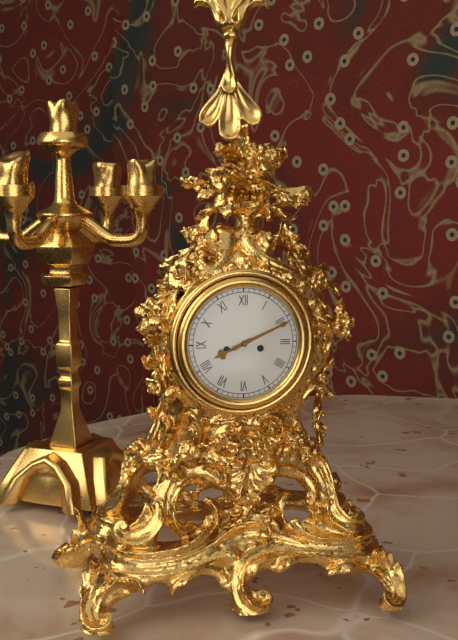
{"hour": 8, "minute": 11}
